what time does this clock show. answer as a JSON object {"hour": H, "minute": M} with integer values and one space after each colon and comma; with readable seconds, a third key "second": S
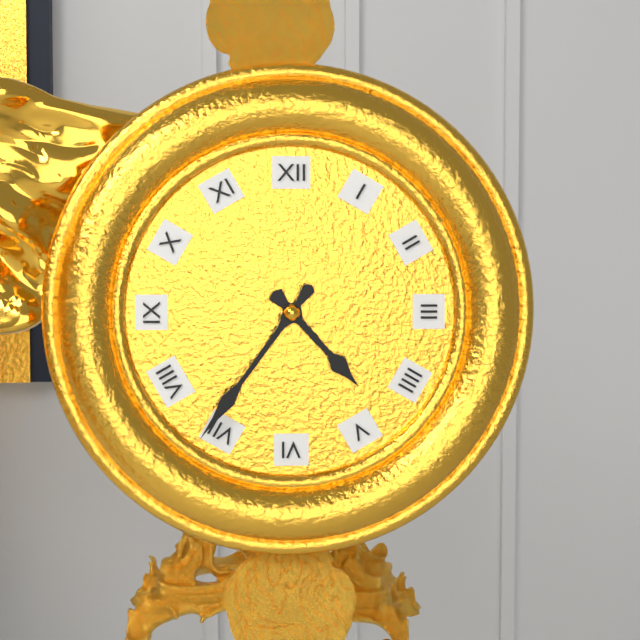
{"hour": 4, "minute": 36}
